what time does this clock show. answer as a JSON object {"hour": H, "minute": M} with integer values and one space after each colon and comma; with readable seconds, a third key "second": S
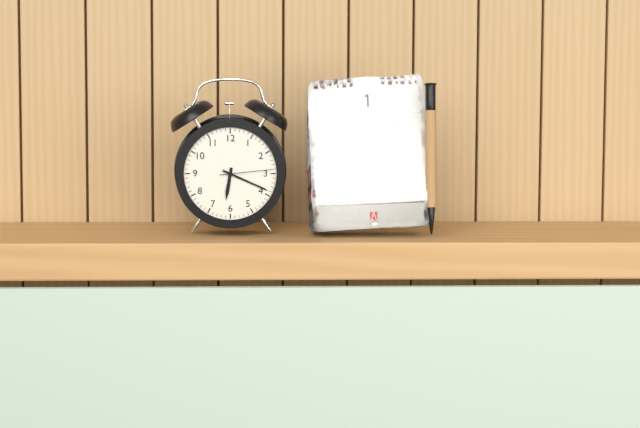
{"hour": 6, "minute": 19, "second": 14}
